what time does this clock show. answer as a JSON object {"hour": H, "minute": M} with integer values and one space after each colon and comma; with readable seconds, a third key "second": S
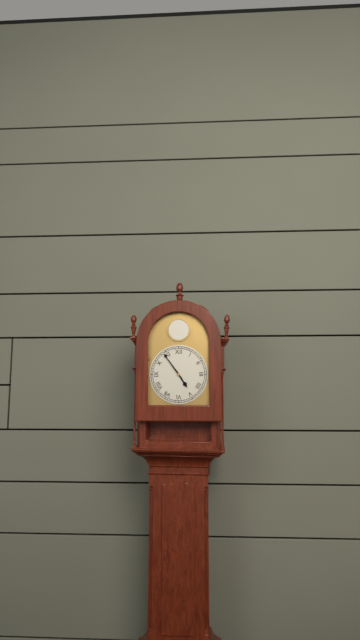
{"hour": 4, "minute": 54}
